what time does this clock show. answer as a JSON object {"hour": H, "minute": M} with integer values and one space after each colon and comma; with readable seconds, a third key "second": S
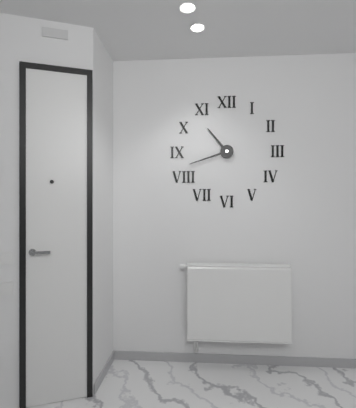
{"hour": 10, "minute": 42}
